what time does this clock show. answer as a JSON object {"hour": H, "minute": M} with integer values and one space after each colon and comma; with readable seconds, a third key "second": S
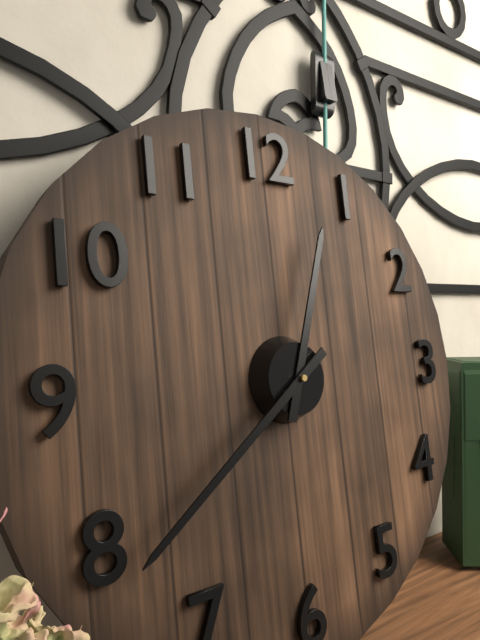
{"hour": 12, "minute": 39}
